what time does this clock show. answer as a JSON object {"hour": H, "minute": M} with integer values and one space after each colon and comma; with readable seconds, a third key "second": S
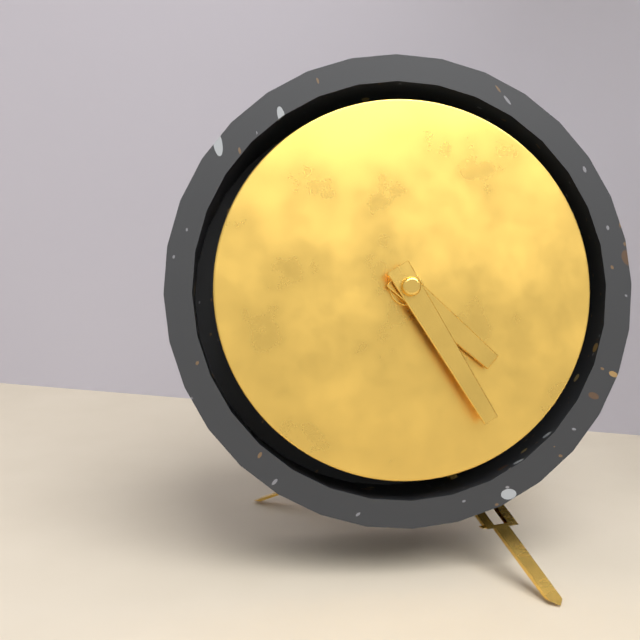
{"hour": 4, "minute": 25}
